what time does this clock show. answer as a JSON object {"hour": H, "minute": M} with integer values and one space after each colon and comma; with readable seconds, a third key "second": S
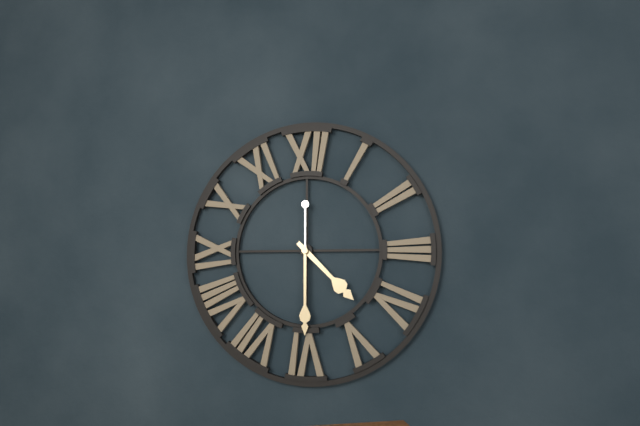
{"hour": 4, "minute": 30}
